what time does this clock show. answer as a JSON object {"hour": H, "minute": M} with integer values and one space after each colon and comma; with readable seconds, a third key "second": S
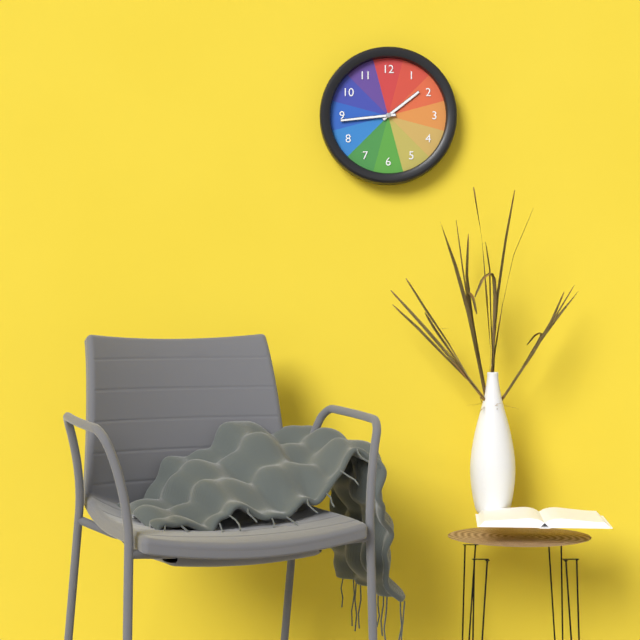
{"hour": 1, "minute": 44}
